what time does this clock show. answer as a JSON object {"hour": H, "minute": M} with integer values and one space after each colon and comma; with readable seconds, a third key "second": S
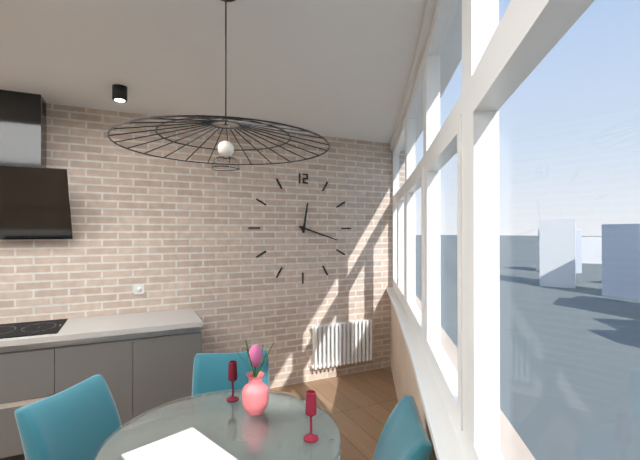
{"hour": 12, "minute": 18}
